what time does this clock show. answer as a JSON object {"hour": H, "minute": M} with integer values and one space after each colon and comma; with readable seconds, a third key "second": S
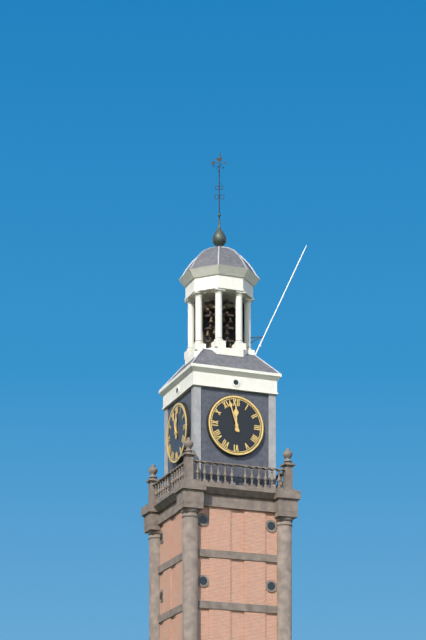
{"hour": 11, "minute": 57}
